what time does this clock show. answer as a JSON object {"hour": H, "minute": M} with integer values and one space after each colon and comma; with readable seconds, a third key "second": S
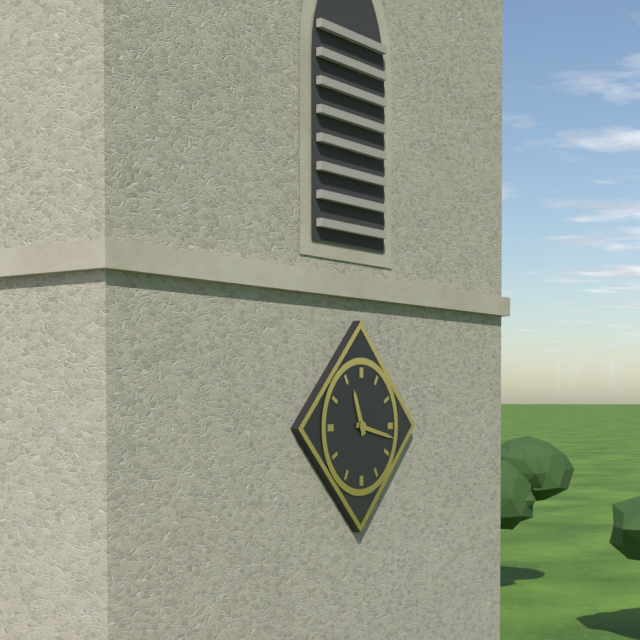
{"hour": 11, "minute": 17}
